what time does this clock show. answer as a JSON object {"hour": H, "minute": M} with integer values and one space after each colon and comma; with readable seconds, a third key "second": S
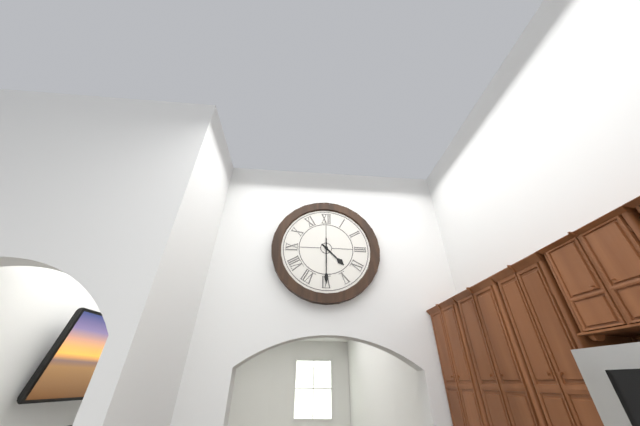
{"hour": 4, "minute": 30}
